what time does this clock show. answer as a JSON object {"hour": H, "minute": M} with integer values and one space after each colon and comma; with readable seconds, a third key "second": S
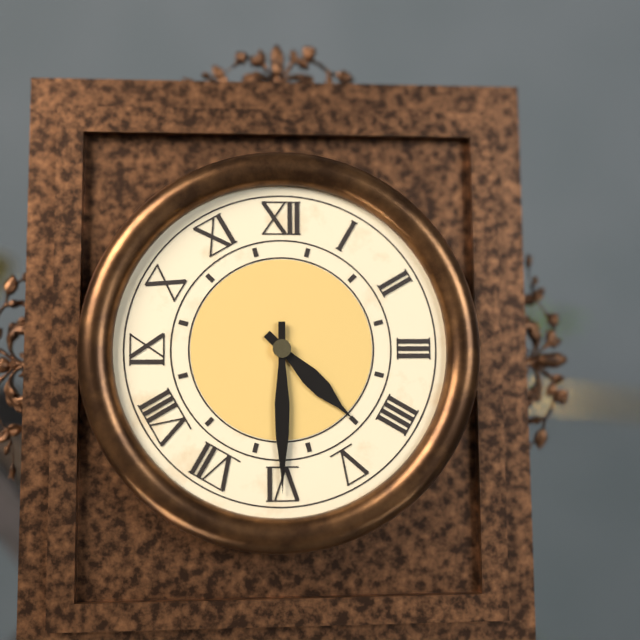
{"hour": 4, "minute": 30}
